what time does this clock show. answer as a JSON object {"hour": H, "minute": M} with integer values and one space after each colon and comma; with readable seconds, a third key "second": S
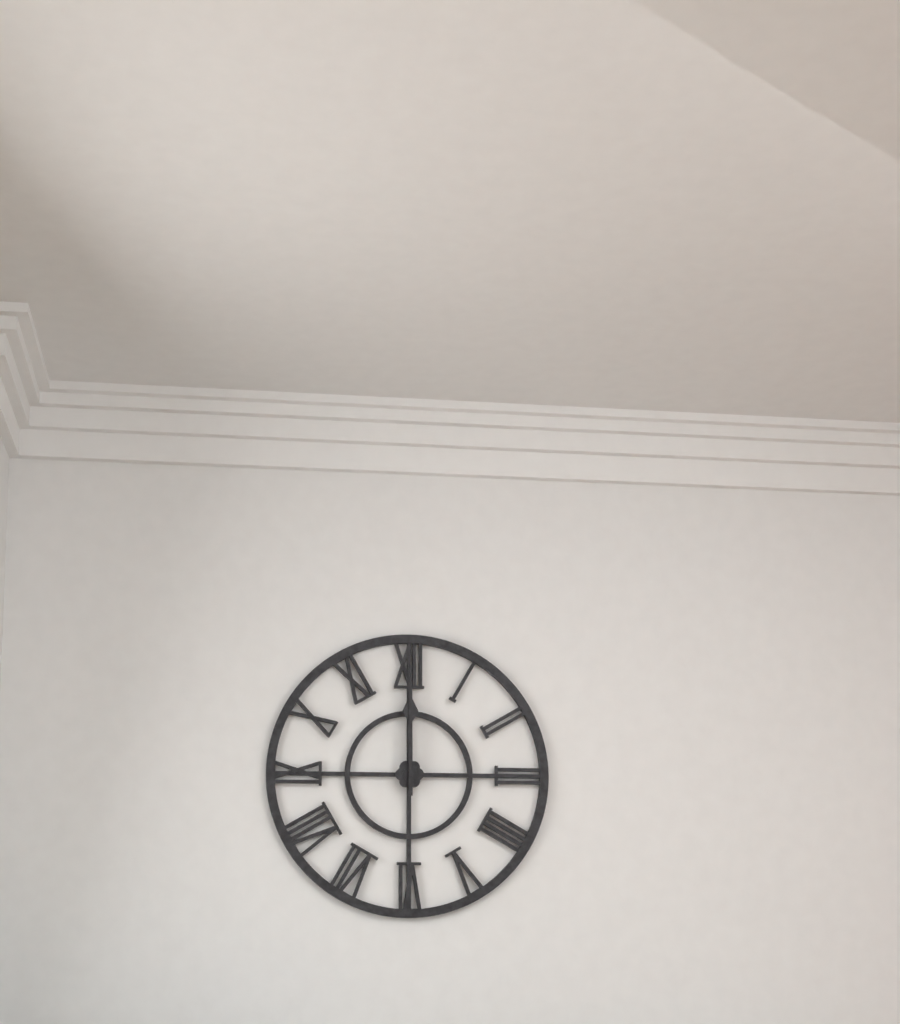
{"hour": 12, "minute": 0}
